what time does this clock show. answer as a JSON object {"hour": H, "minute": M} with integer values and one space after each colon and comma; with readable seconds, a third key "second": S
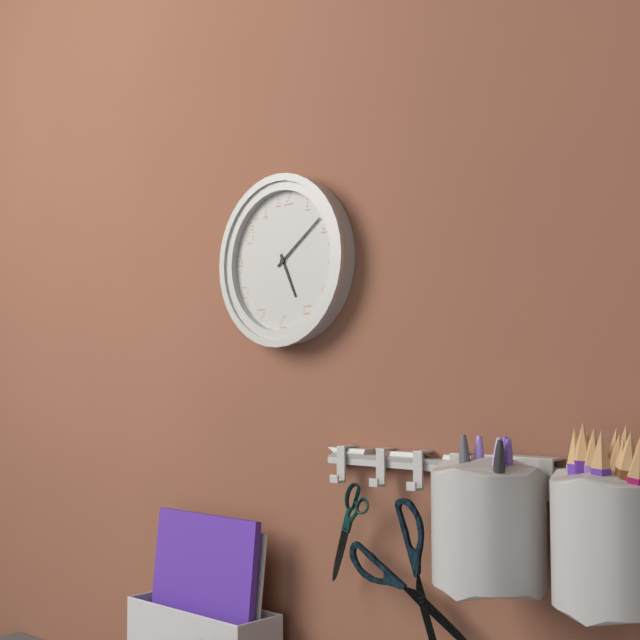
{"hour": 5, "minute": 9}
